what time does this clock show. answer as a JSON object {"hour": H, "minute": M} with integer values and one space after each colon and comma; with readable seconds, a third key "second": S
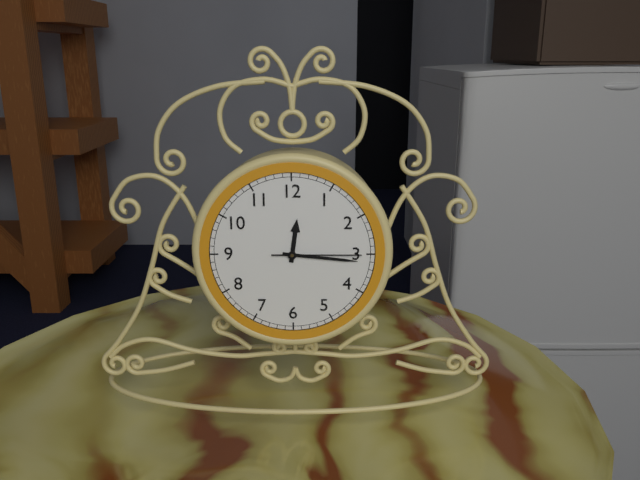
{"hour": 12, "minute": 16, "second": 15}
